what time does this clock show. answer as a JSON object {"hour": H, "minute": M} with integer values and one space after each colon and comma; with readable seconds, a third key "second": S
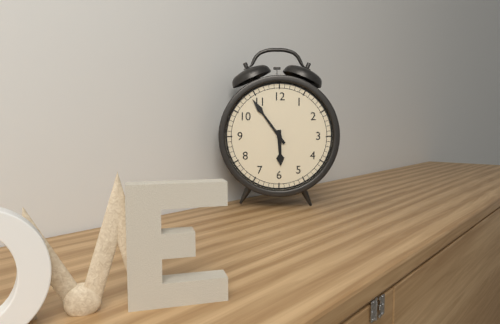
{"hour": 5, "minute": 54}
